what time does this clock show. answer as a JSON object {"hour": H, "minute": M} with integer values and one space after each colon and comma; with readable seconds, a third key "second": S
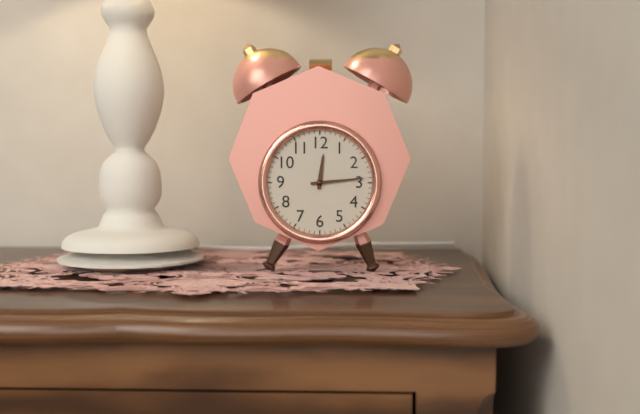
{"hour": 12, "minute": 14}
